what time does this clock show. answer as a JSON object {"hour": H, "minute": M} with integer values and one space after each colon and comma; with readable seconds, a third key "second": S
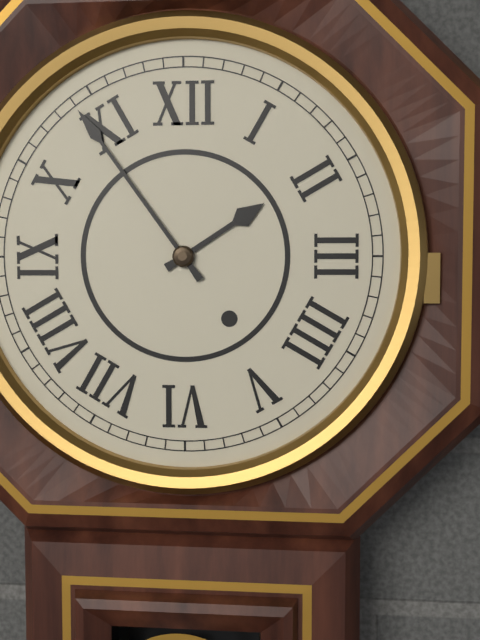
{"hour": 1, "minute": 54}
